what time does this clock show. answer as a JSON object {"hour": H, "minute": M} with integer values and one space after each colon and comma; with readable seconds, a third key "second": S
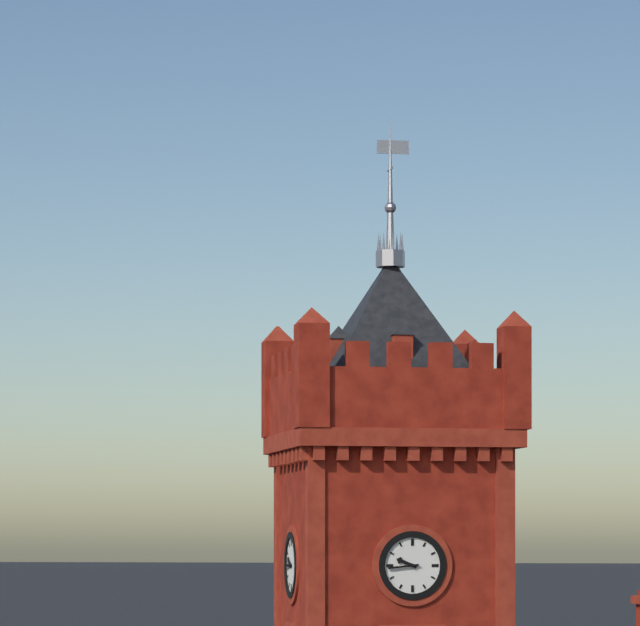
{"hour": 9, "minute": 44}
